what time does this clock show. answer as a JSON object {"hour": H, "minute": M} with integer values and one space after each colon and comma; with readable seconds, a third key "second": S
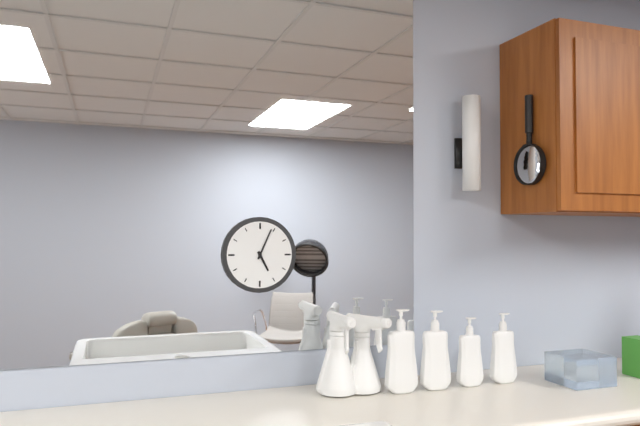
{"hour": 5, "minute": 4}
